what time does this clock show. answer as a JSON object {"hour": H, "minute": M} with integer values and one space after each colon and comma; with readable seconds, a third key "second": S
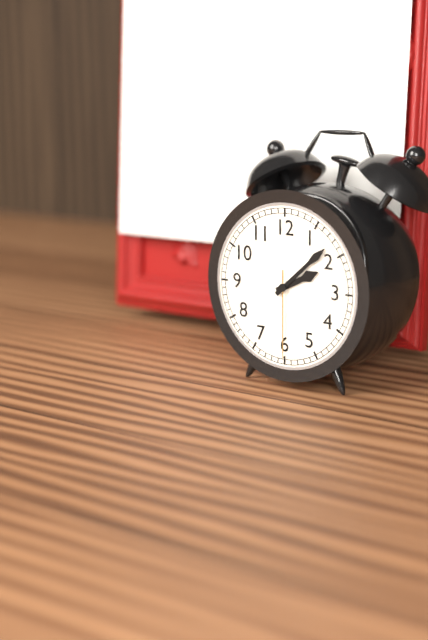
{"hour": 2, "minute": 8, "second": 30}
